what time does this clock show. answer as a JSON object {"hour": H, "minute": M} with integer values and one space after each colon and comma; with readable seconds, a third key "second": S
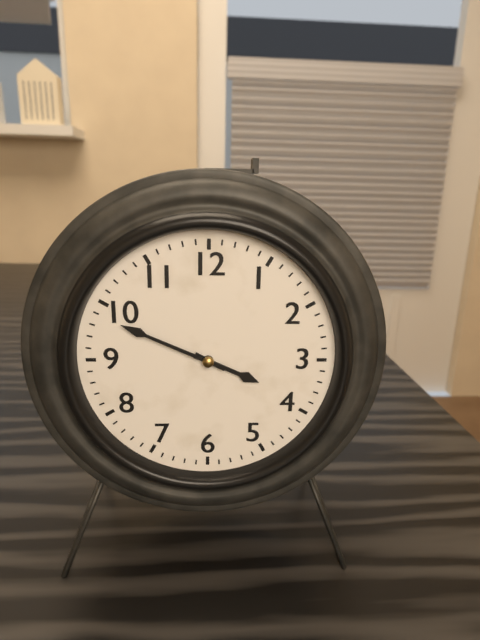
{"hour": 3, "minute": 49}
